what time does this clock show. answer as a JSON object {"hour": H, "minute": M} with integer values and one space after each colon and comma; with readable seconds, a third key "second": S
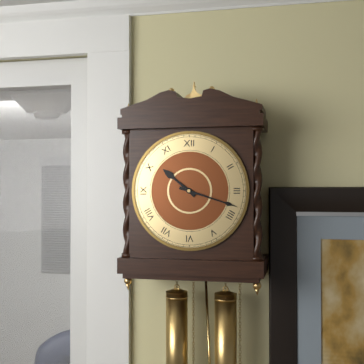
{"hour": 10, "minute": 18}
